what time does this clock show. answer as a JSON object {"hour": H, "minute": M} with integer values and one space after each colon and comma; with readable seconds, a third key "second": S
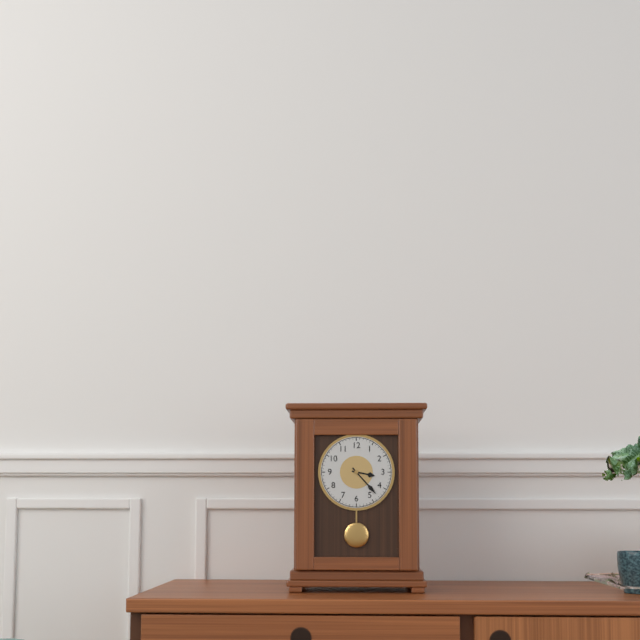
{"hour": 3, "minute": 23}
